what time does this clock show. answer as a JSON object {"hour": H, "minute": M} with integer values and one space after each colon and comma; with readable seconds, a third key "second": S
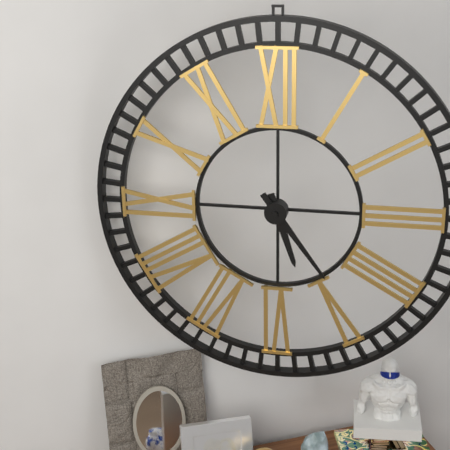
{"hour": 5, "minute": 24}
